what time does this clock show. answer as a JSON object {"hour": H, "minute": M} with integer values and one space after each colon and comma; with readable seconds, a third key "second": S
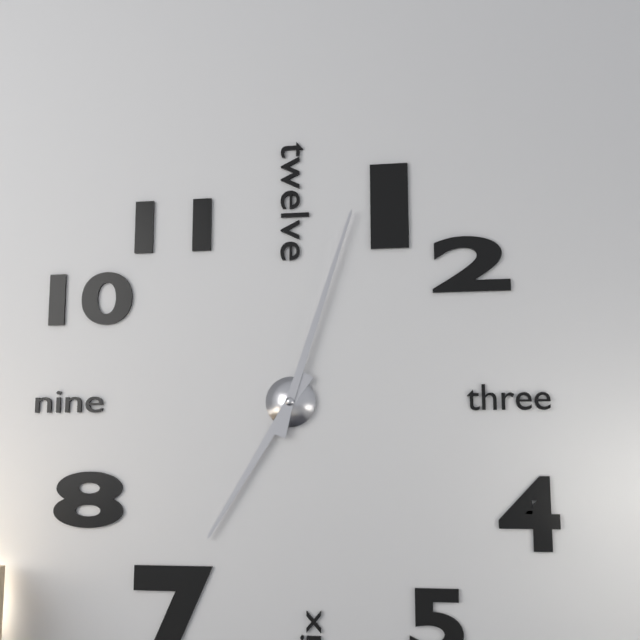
{"hour": 7, "minute": 3}
